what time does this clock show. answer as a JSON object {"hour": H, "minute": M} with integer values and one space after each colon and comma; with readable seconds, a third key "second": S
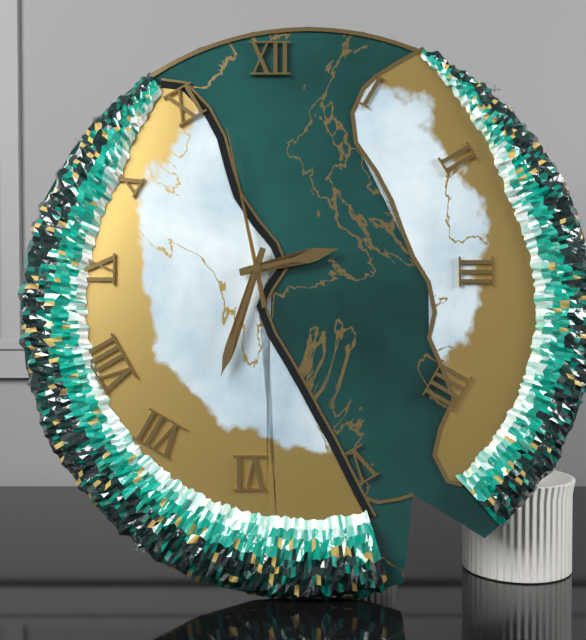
{"hour": 2, "minute": 33, "second": 58}
